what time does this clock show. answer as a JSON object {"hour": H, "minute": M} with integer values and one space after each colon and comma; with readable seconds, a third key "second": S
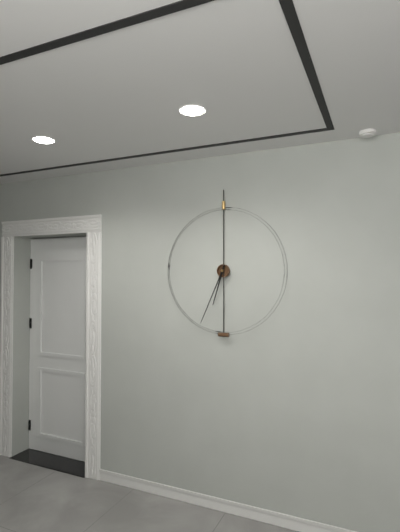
{"hour": 6, "minute": 34}
